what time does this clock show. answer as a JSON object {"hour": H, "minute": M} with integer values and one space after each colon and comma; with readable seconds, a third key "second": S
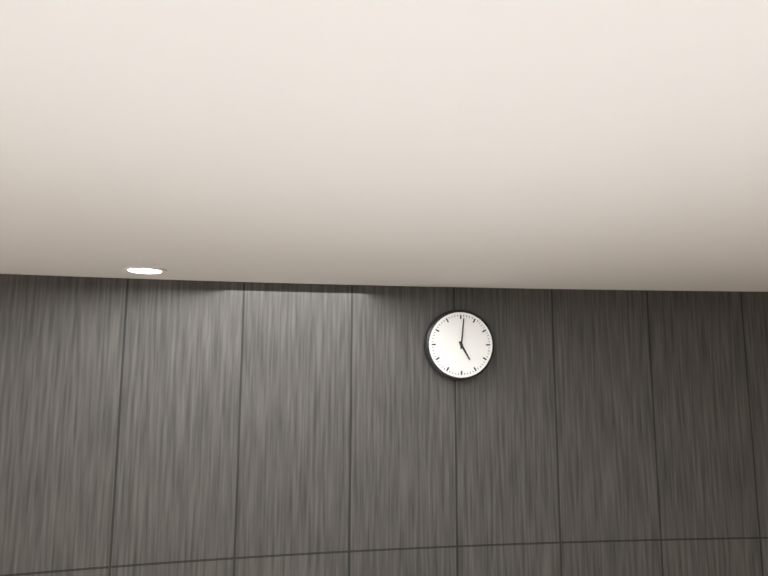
{"hour": 5, "minute": 1}
